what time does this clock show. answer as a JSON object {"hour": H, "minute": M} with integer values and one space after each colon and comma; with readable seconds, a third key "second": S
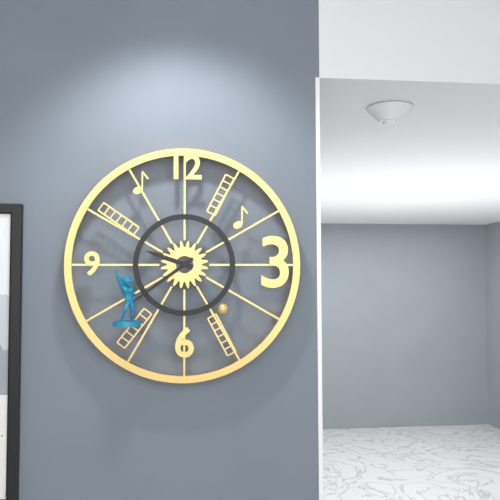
{"hour": 9, "minute": 39}
